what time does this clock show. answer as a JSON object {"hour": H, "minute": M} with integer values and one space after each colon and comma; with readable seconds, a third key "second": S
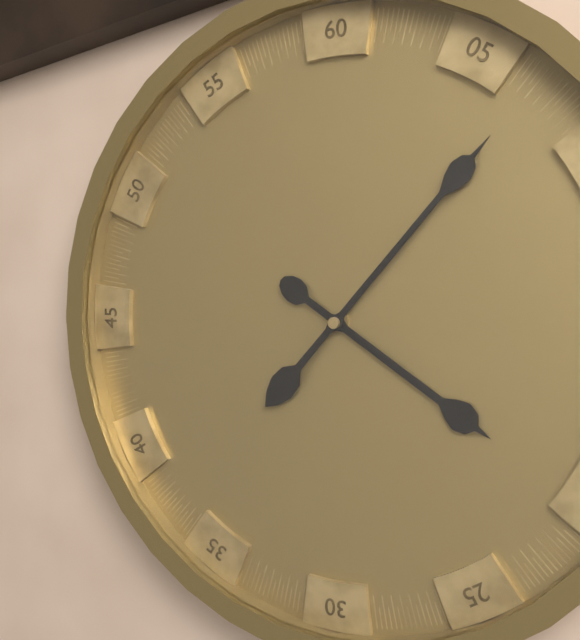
{"hour": 4, "minute": 7}
